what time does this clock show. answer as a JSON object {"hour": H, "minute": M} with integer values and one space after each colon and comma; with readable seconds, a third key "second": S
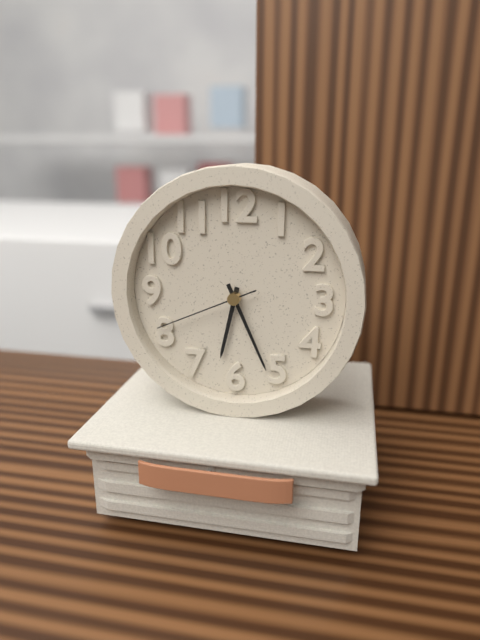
{"hour": 6, "minute": 26, "second": 41}
